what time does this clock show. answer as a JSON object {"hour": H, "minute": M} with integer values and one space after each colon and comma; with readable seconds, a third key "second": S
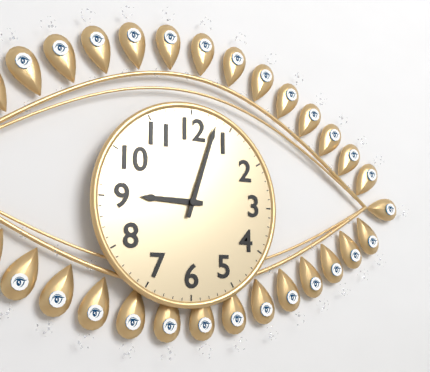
{"hour": 9, "minute": 3}
